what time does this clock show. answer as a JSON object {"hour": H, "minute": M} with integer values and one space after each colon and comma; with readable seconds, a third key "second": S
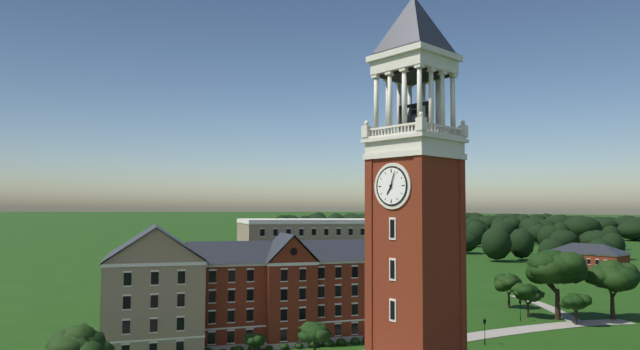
{"hour": 7, "minute": 3}
